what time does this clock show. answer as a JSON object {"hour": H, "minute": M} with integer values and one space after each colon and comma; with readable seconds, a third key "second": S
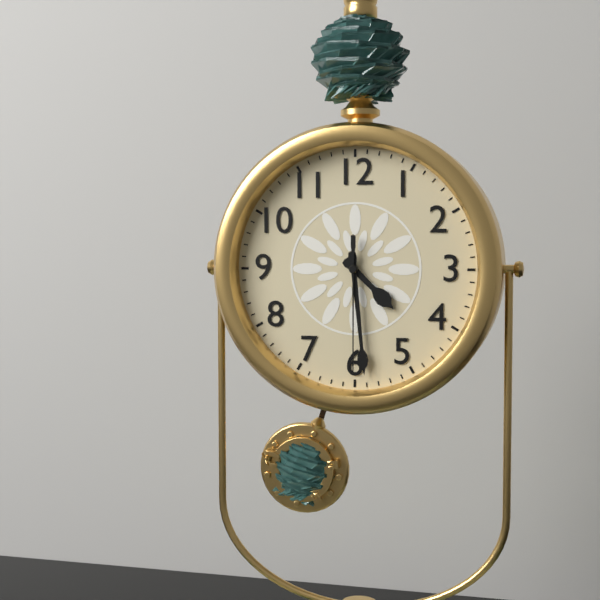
{"hour": 4, "minute": 29, "second": 30}
